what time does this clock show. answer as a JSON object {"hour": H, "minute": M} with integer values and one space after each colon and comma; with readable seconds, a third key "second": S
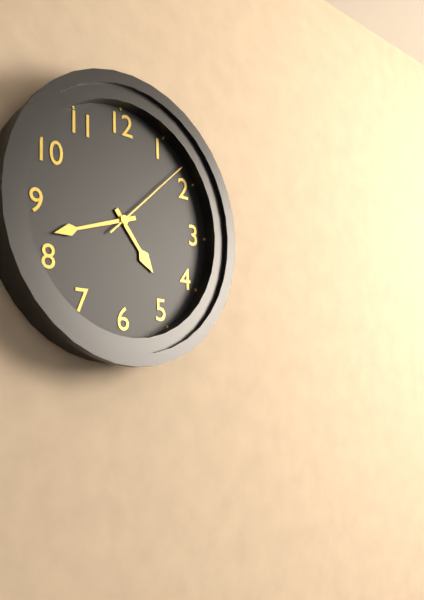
{"hour": 4, "minute": 42, "second": 8}
